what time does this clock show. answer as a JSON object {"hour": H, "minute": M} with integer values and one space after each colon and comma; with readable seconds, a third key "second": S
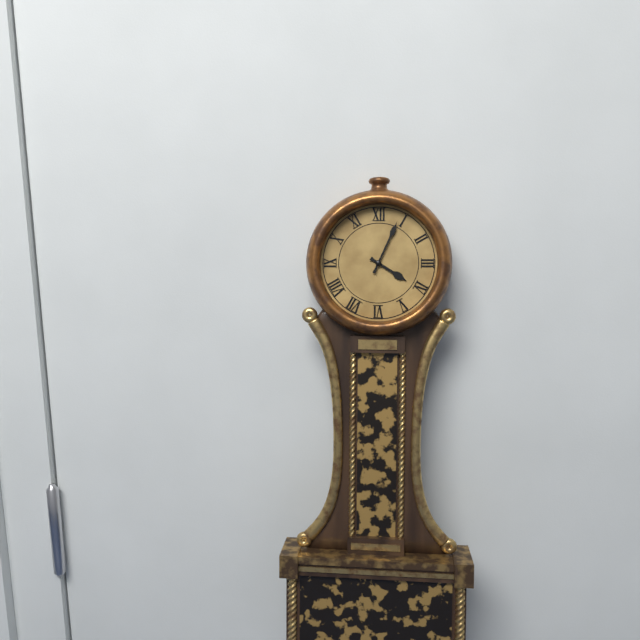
{"hour": 4, "minute": 4}
